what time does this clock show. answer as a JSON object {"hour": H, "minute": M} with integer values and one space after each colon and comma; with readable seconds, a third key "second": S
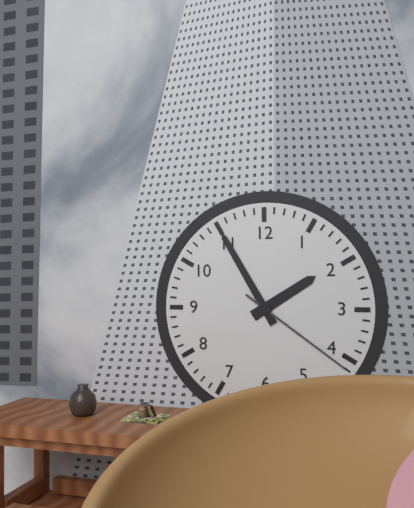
{"hour": 1, "minute": 55, "second": 21}
